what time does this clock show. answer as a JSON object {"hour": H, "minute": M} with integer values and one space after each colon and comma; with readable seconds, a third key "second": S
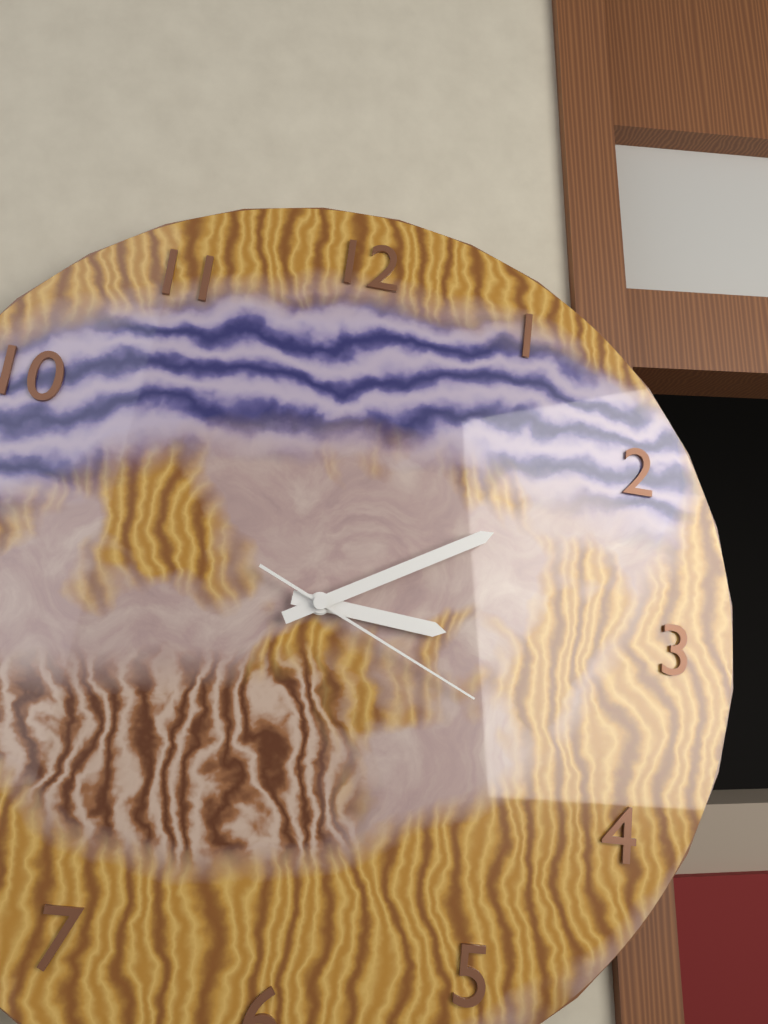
{"hour": 3, "minute": 10, "second": 19}
